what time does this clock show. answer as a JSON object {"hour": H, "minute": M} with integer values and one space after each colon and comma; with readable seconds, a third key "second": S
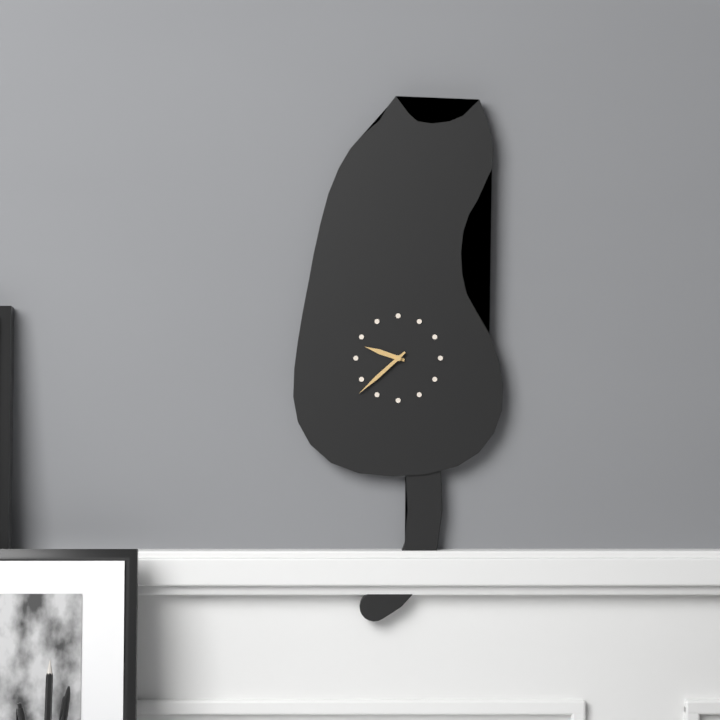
{"hour": 9, "minute": 38}
